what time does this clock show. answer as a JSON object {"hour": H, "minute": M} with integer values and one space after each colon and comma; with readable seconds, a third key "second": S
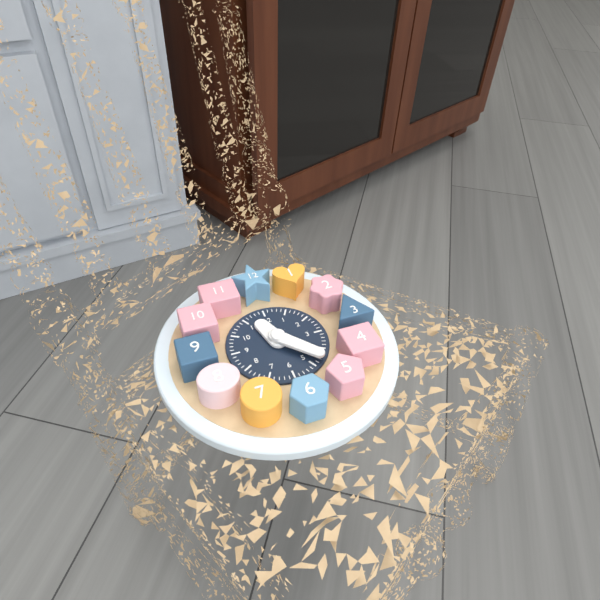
{"hour": 11, "minute": 23}
